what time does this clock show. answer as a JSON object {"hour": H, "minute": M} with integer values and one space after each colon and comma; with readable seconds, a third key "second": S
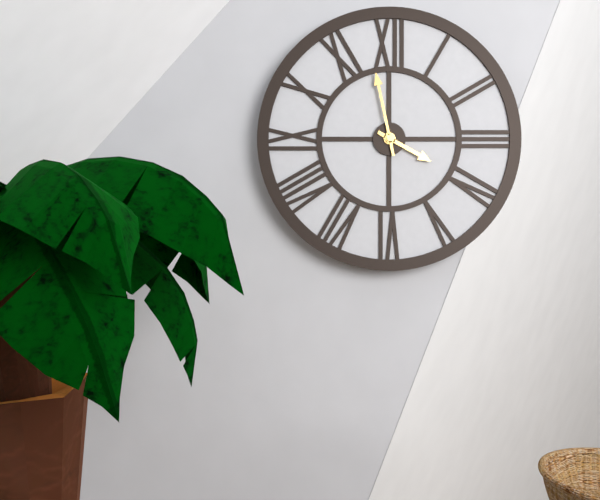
{"hour": 3, "minute": 58}
